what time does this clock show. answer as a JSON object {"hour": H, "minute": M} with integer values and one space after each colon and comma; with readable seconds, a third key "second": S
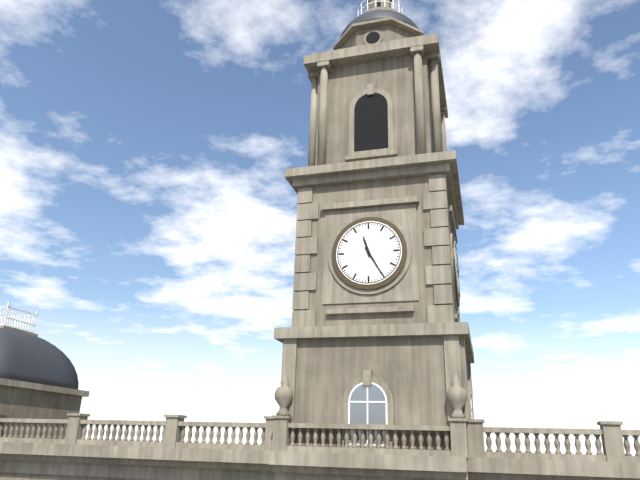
{"hour": 11, "minute": 25}
